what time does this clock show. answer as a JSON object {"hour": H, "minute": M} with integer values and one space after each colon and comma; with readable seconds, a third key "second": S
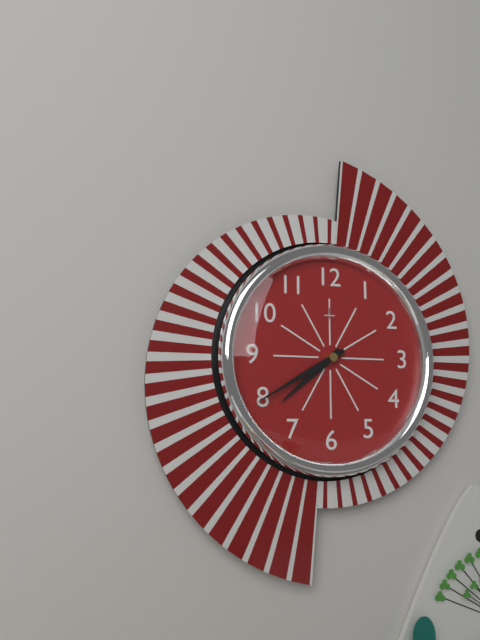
{"hour": 7, "minute": 40}
